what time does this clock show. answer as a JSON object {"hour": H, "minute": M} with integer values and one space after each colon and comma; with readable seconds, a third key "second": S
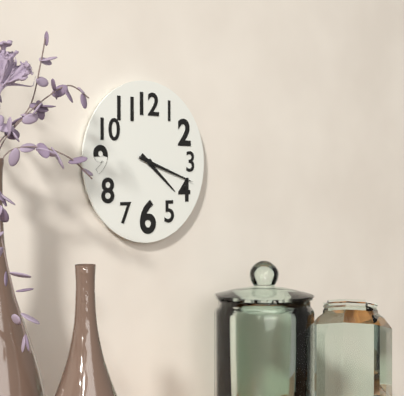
{"hour": 4, "minute": 18}
